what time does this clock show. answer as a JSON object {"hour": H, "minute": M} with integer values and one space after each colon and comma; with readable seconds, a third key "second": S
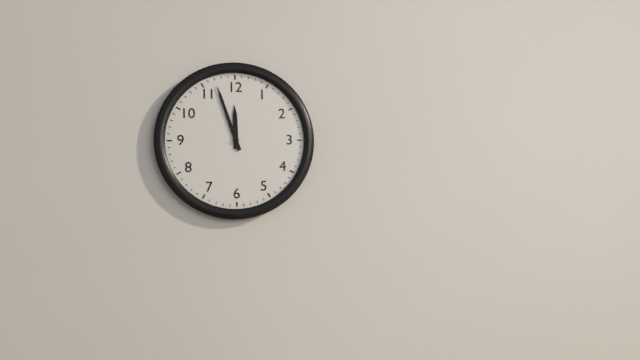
{"hour": 11, "minute": 57}
